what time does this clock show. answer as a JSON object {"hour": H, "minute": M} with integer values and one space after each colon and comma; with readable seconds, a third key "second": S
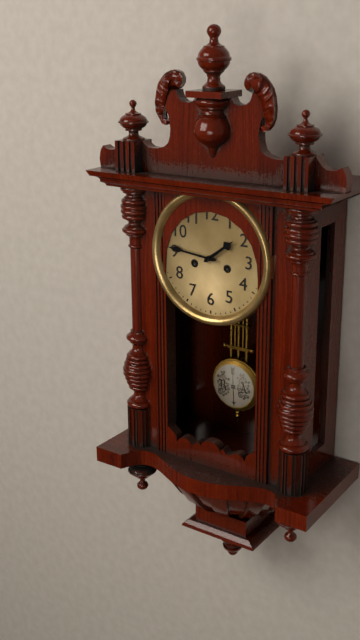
{"hour": 1, "minute": 46}
